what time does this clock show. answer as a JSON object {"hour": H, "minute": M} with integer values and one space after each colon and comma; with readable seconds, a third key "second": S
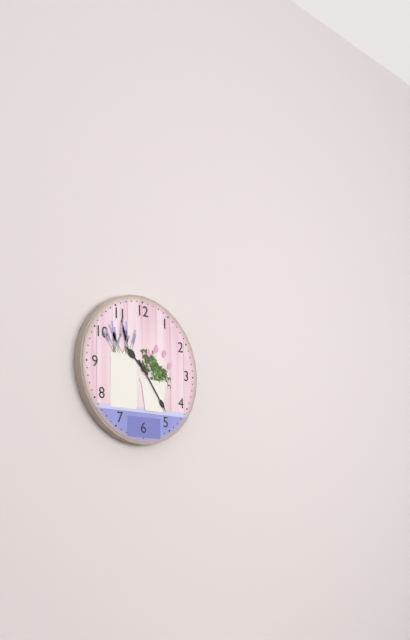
{"hour": 10, "minute": 24}
